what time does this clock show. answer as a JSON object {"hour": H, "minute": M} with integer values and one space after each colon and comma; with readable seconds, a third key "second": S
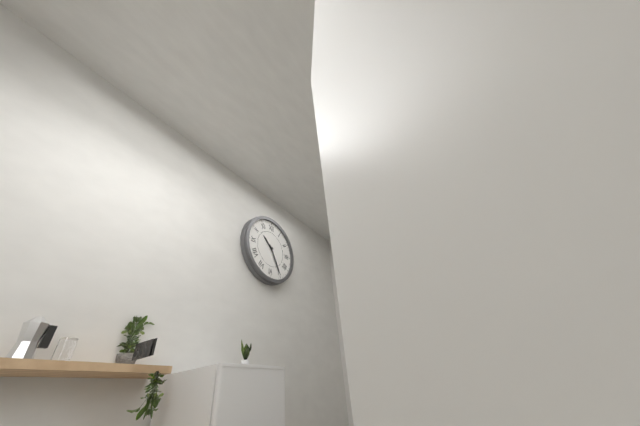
{"hour": 10, "minute": 25}
